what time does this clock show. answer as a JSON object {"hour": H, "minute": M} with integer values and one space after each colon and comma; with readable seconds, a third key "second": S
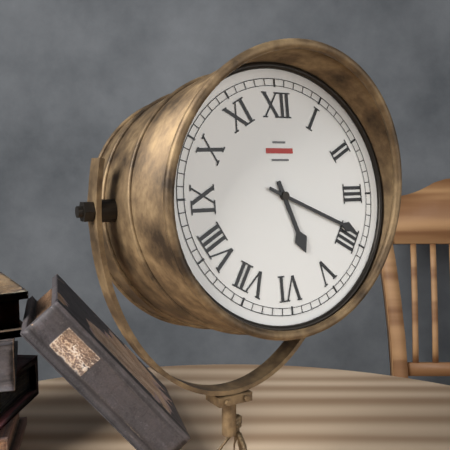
{"hour": 5, "minute": 19}
